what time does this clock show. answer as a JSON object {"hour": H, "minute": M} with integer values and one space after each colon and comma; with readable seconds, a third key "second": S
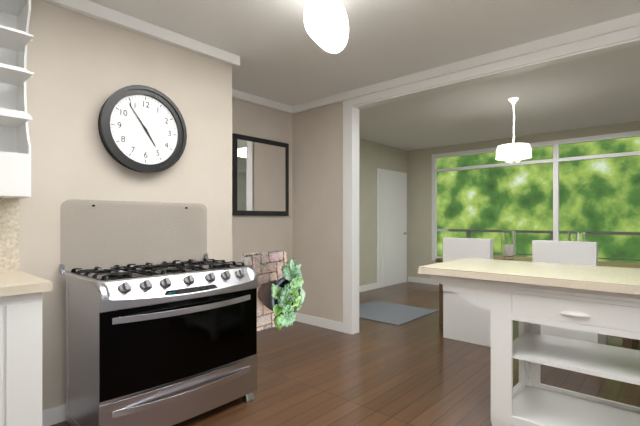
{"hour": 4, "minute": 54}
